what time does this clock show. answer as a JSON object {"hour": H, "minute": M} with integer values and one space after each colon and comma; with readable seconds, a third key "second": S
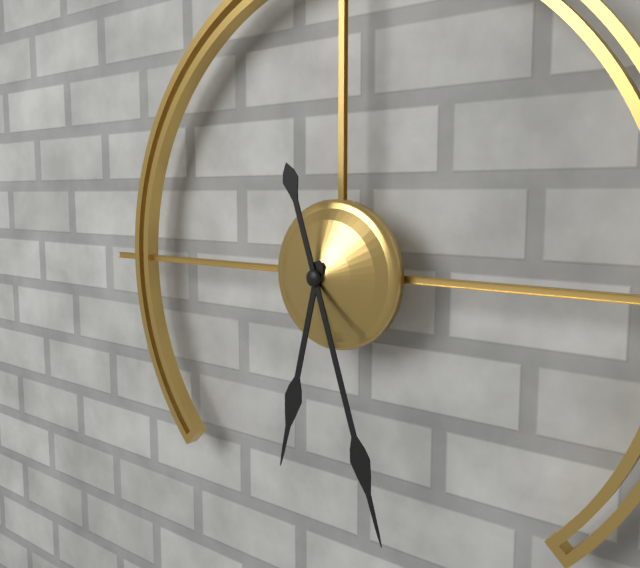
{"hour": 6, "minute": 27}
